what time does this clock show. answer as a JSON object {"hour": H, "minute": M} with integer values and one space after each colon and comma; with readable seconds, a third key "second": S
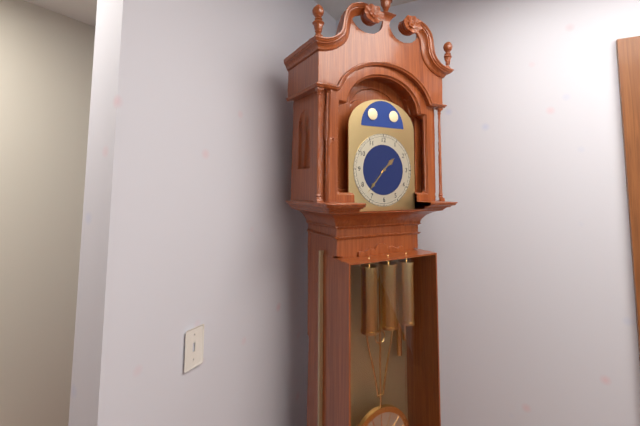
{"hour": 1, "minute": 37}
